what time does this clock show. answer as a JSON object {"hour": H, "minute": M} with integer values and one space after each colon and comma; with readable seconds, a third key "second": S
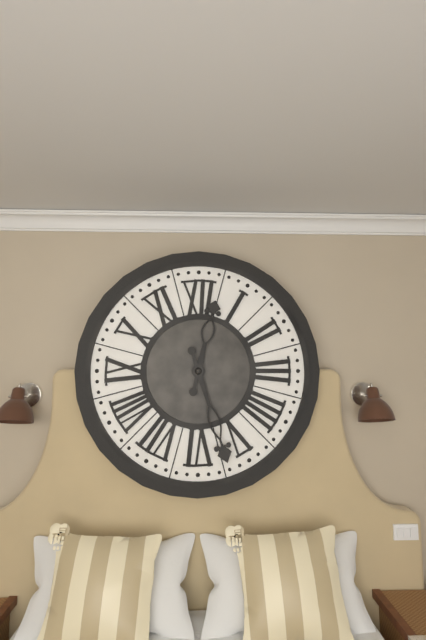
{"hour": 12, "minute": 27}
